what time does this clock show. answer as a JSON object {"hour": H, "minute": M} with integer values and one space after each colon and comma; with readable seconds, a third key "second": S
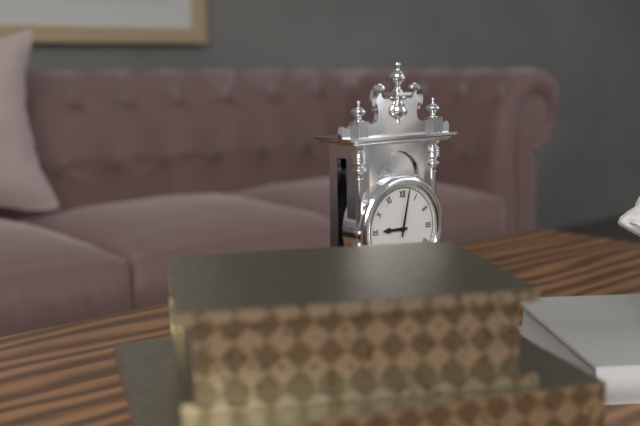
{"hour": 9, "minute": 2}
